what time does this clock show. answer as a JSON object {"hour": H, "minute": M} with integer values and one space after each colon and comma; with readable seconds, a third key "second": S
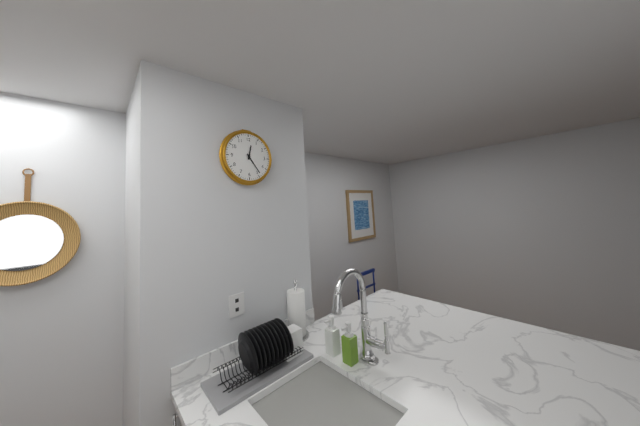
{"hour": 12, "minute": 24}
